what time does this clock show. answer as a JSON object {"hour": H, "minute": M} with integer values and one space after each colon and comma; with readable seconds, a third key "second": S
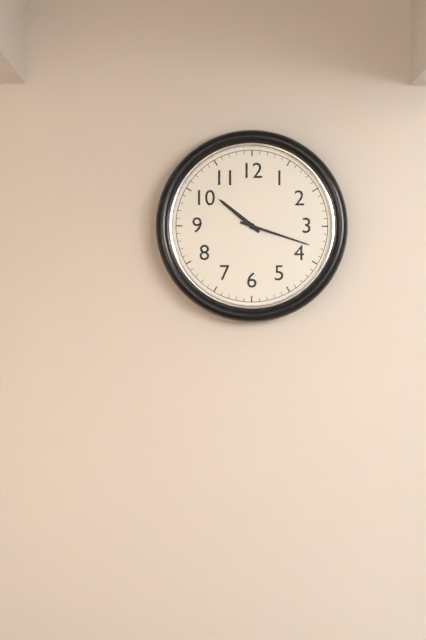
{"hour": 10, "minute": 18}
